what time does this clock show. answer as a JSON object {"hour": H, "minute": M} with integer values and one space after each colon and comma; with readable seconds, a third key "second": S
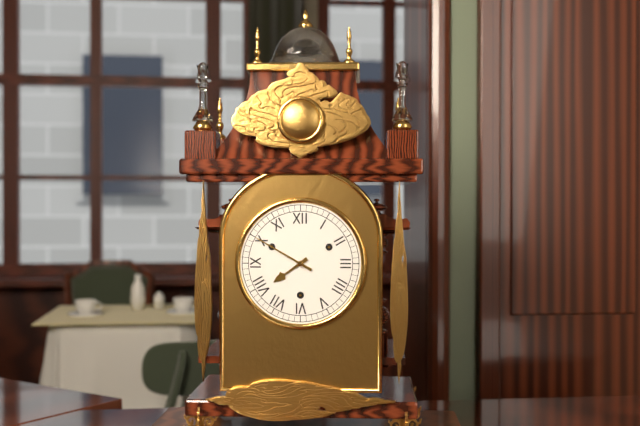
{"hour": 7, "minute": 50}
